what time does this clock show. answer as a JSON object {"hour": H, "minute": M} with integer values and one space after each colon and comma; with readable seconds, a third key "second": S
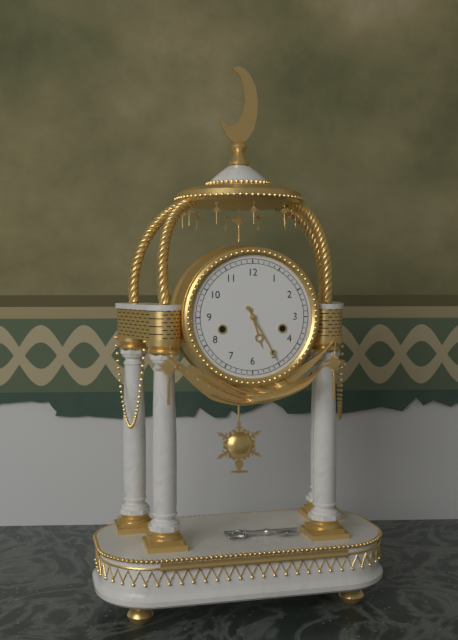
{"hour": 5, "minute": 25}
